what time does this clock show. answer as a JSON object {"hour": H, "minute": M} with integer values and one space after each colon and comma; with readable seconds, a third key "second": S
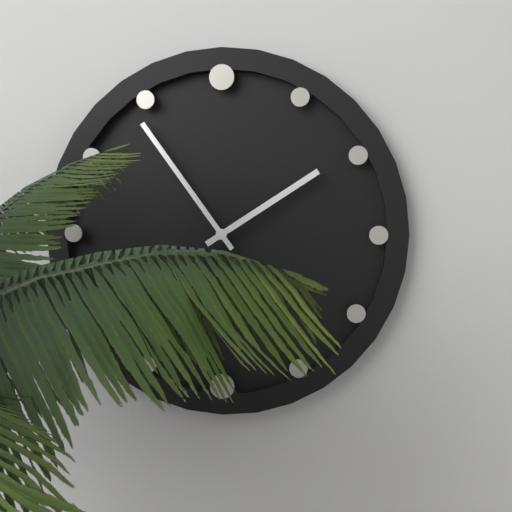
{"hour": 1, "minute": 54}
